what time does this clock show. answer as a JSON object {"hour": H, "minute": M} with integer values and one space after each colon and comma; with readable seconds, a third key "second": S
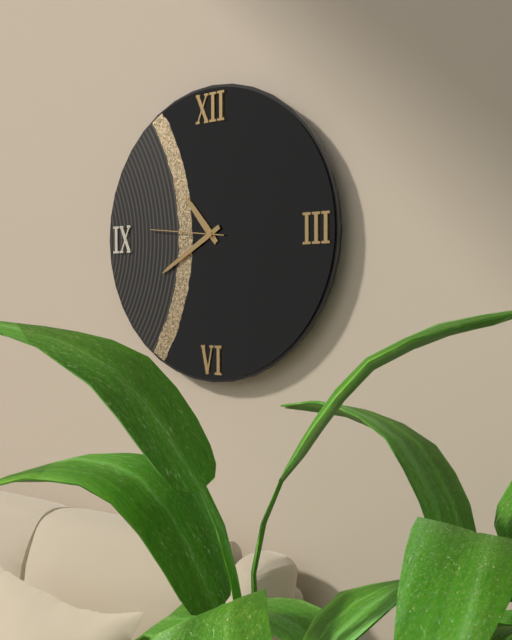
{"hour": 10, "minute": 40, "second": 46}
